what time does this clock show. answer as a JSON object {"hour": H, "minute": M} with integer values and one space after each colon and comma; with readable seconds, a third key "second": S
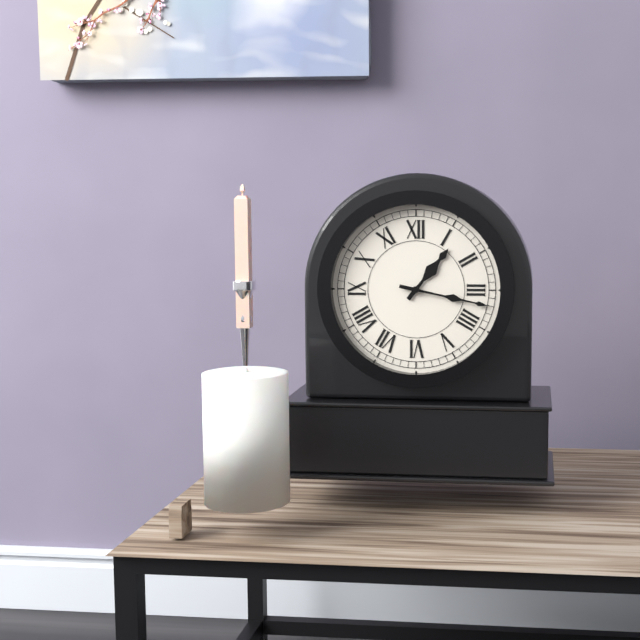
{"hour": 1, "minute": 17}
